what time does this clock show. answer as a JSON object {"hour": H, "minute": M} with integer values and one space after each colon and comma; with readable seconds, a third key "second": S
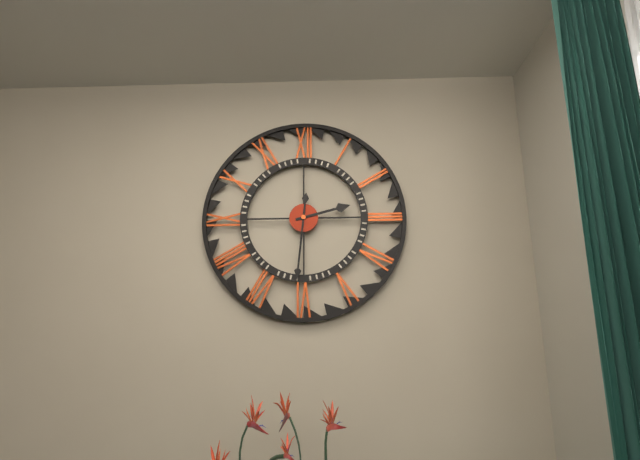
{"hour": 2, "minute": 31}
